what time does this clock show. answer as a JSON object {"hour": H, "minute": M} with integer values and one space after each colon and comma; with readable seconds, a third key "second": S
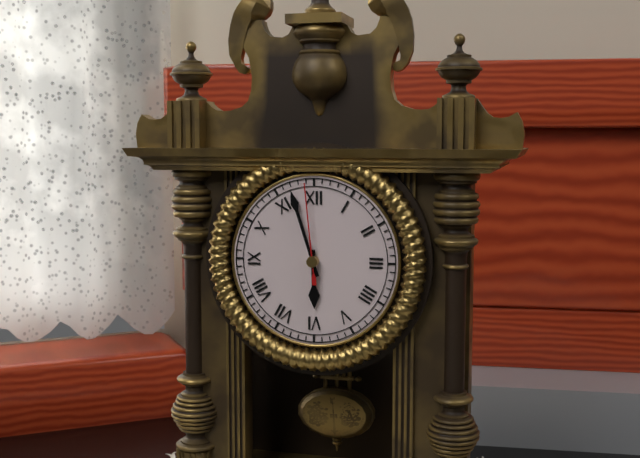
{"hour": 5, "minute": 57, "second": 59}
